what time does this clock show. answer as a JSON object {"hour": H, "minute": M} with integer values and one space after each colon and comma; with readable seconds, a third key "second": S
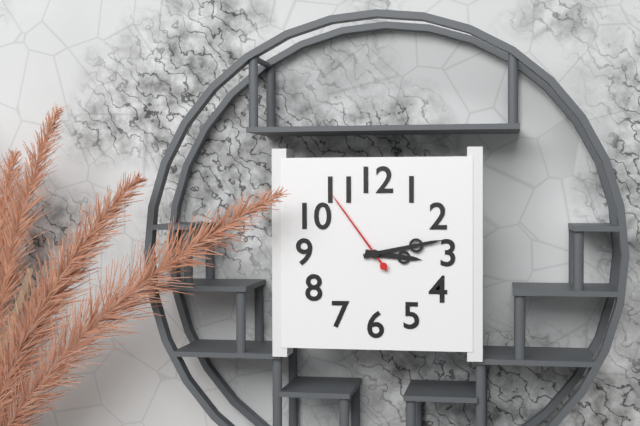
{"hour": 3, "minute": 13, "second": 54}
